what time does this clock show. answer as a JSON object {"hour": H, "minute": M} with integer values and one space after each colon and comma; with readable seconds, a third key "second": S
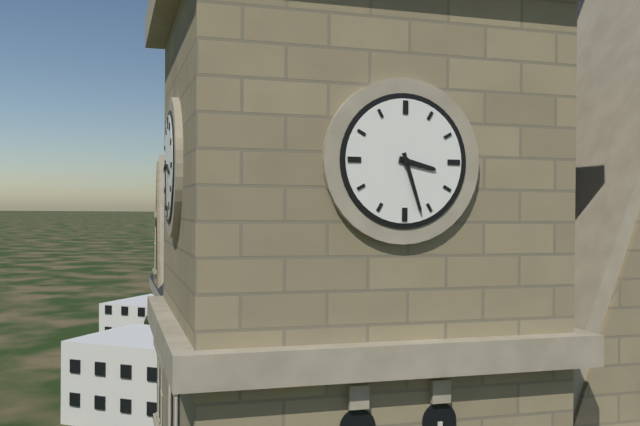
{"hour": 3, "minute": 27}
